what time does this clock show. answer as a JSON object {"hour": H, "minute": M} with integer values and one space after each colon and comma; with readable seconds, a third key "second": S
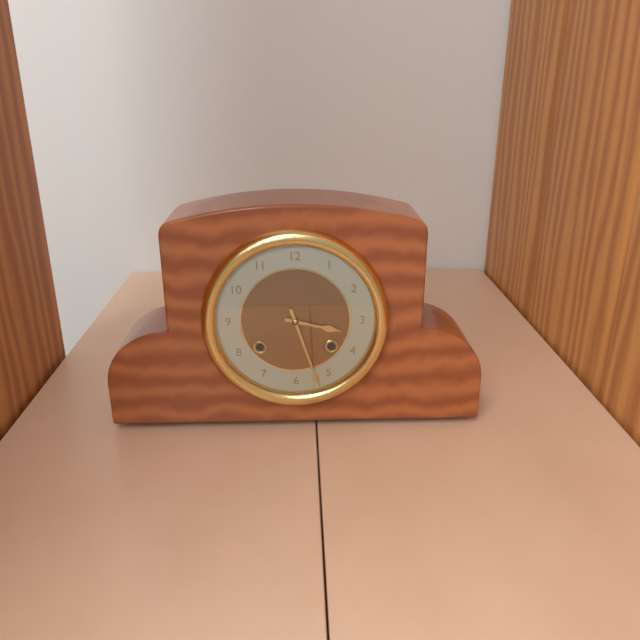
{"hour": 3, "minute": 27}
